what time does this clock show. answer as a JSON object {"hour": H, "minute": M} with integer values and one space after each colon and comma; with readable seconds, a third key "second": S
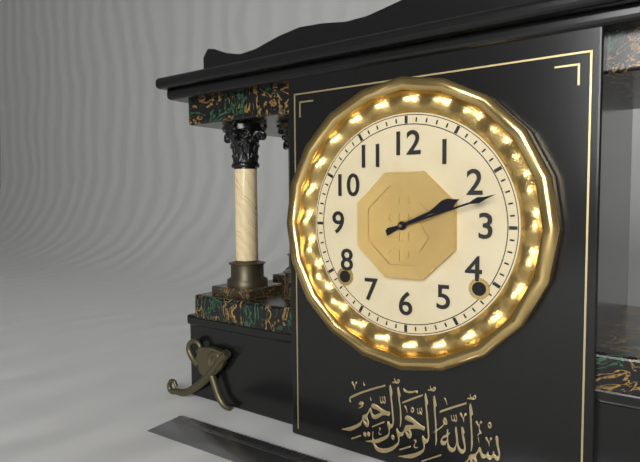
{"hour": 2, "minute": 12}
